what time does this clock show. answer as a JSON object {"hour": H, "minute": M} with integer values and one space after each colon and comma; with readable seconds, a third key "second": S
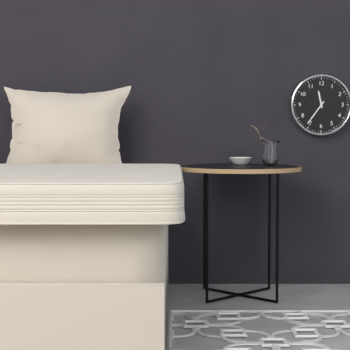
{"hour": 11, "minute": 36}
